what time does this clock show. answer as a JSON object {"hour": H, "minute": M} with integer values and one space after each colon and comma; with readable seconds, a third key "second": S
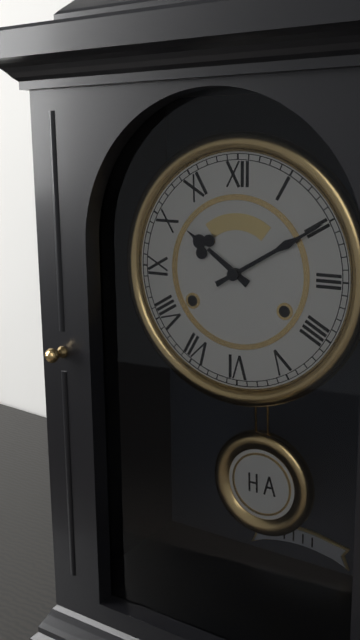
{"hour": 10, "minute": 10}
